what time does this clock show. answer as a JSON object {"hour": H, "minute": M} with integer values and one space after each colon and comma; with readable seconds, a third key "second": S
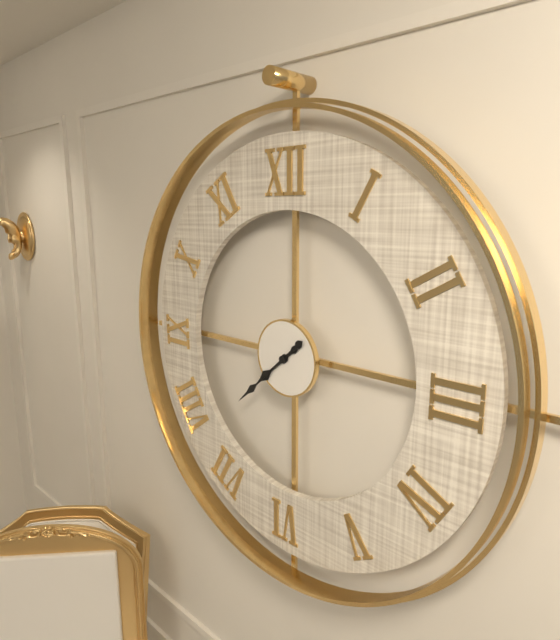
{"hour": 7, "minute": 38}
